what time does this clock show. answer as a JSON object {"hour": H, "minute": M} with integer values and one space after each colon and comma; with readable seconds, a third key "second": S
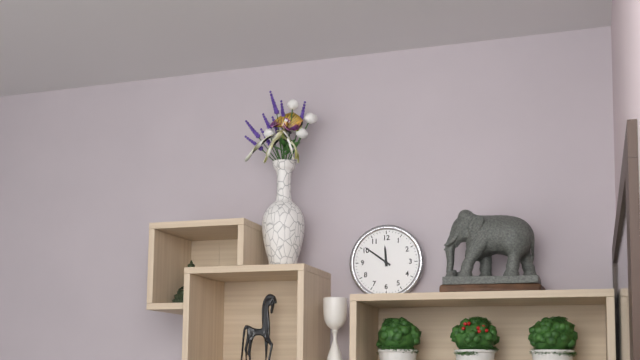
{"hour": 11, "minute": 51}
